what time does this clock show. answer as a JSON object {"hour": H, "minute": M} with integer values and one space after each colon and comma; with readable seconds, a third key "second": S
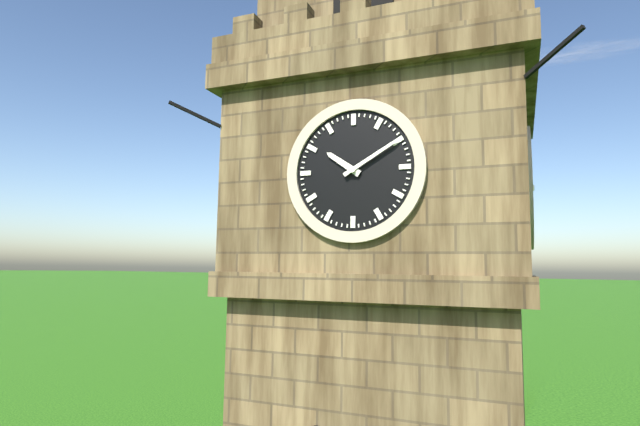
{"hour": 10, "minute": 10}
